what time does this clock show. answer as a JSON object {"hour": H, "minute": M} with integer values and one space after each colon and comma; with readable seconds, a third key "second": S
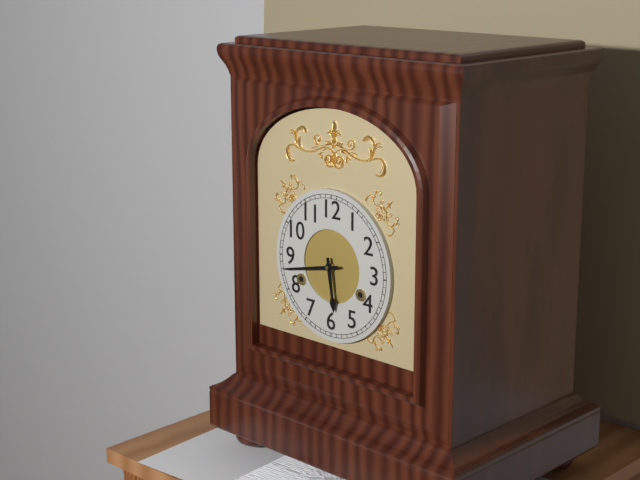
{"hour": 5, "minute": 43}
